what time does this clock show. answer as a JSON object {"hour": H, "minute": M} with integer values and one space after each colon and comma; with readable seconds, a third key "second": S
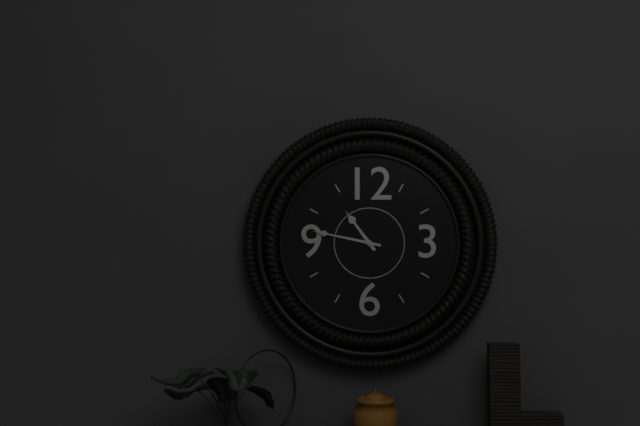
{"hour": 10, "minute": 47}
